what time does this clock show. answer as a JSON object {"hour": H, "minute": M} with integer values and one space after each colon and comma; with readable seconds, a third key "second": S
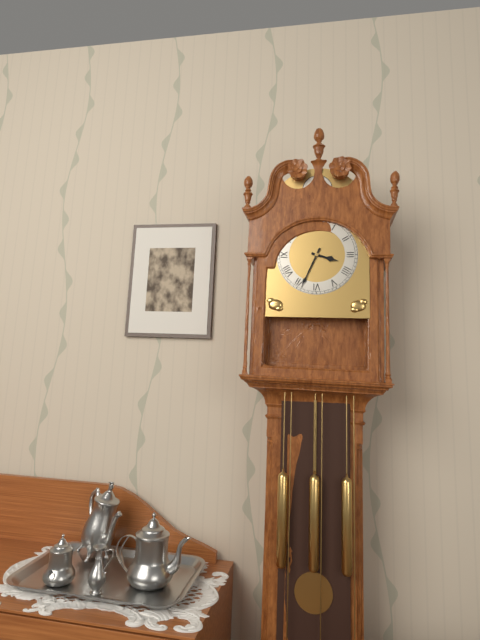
{"hour": 3, "minute": 34}
